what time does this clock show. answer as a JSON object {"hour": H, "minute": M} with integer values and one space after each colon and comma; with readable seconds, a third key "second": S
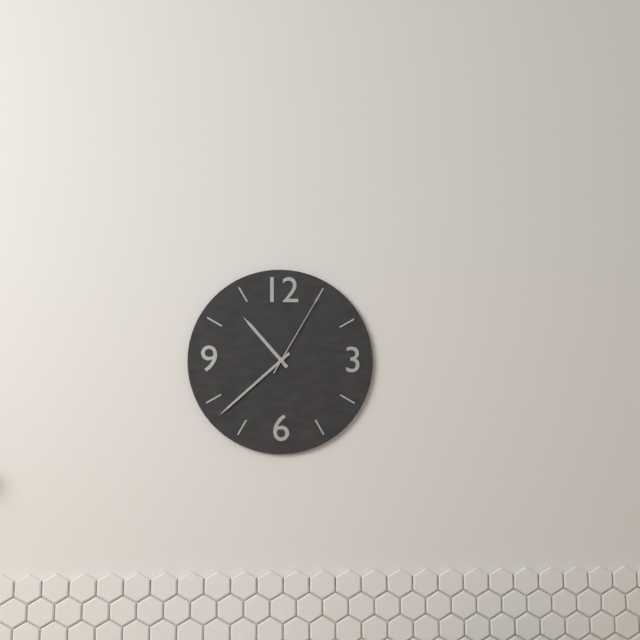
{"hour": 10, "minute": 38, "second": 5}
